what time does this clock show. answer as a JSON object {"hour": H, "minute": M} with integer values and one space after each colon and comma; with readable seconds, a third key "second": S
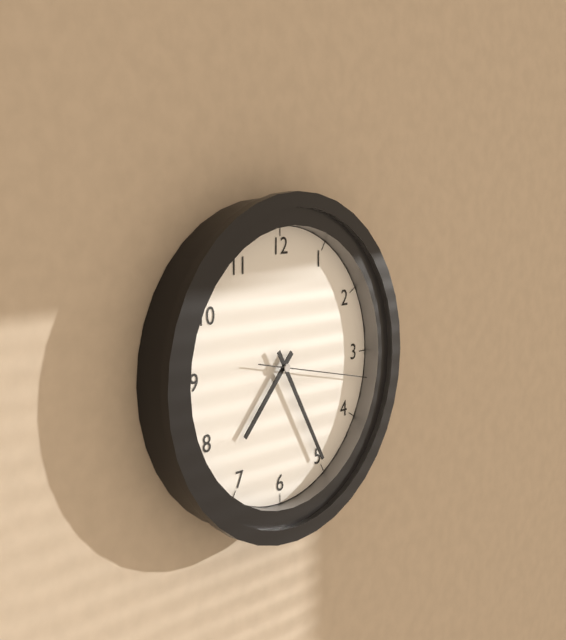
{"hour": 7, "minute": 25, "second": 17}
